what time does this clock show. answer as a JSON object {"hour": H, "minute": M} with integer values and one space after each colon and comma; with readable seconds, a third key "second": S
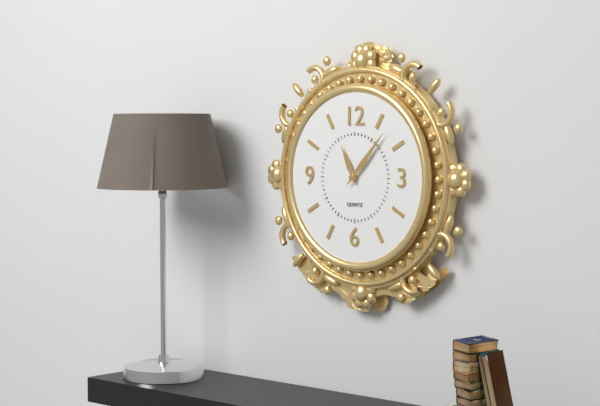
{"hour": 11, "minute": 7}
